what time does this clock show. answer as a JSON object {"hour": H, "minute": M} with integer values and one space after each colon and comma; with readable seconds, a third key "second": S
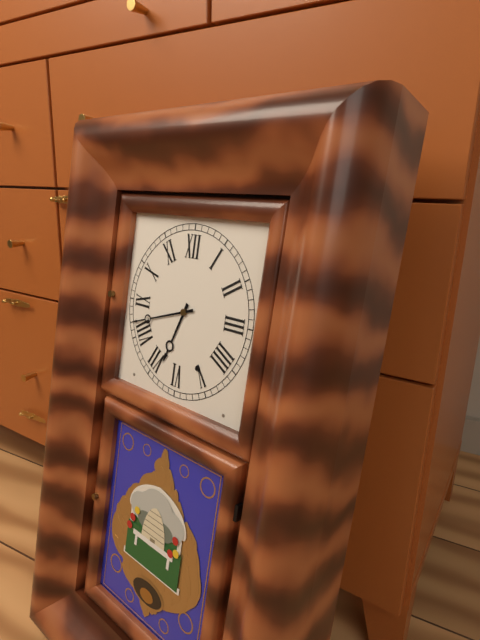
{"hour": 6, "minute": 42}
